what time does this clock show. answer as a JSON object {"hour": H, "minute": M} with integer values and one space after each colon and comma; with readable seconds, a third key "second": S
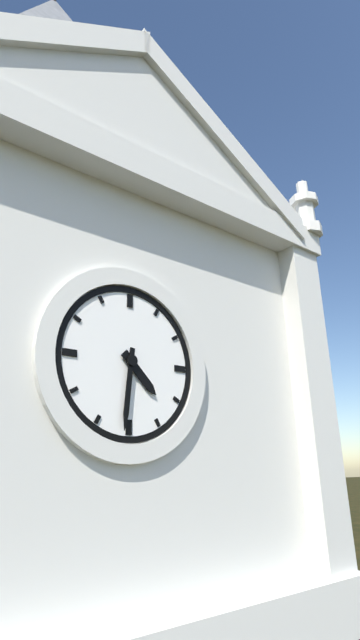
{"hour": 4, "minute": 31}
